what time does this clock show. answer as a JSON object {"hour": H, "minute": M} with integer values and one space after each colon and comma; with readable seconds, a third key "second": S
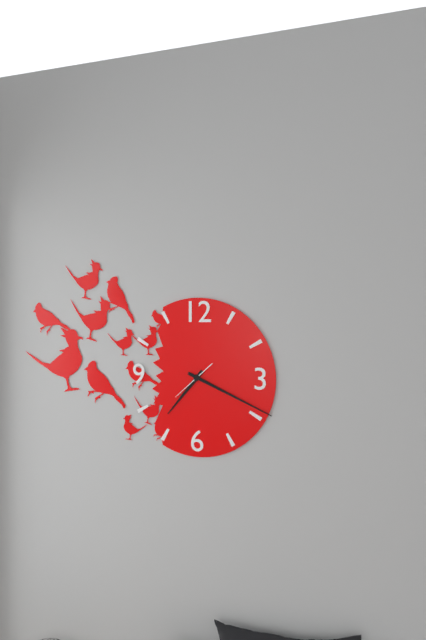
{"hour": 7, "minute": 19}
